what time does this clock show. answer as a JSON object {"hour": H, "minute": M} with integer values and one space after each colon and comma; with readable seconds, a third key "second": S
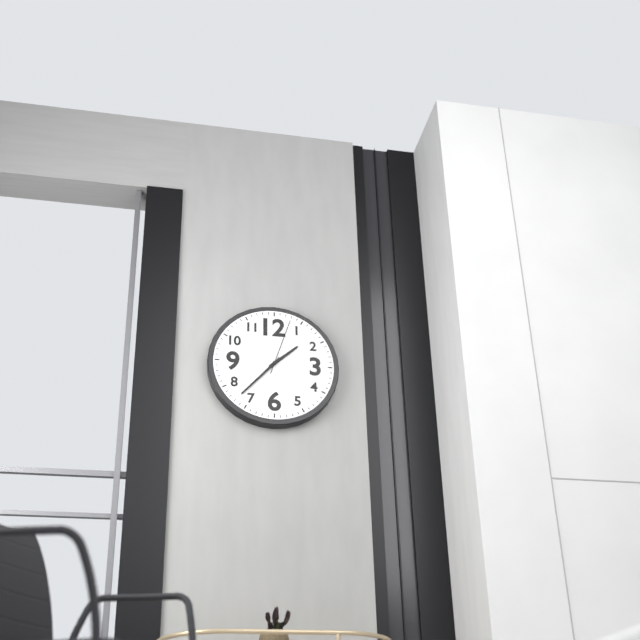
{"hour": 1, "minute": 37, "second": 3}
